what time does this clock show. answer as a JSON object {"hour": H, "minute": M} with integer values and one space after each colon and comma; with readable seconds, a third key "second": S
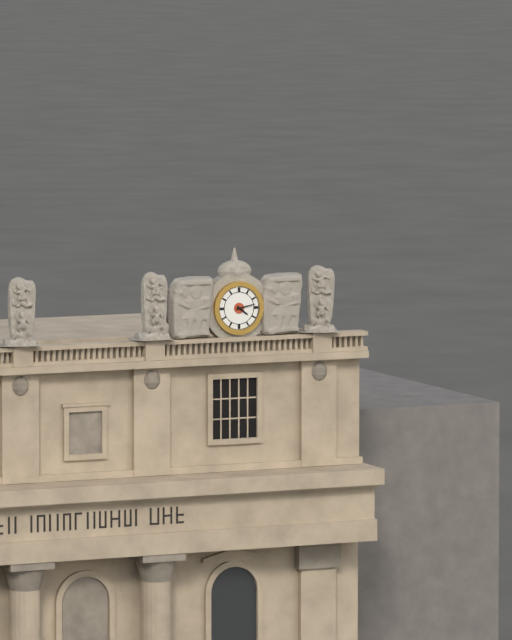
{"hour": 4, "minute": 13}
